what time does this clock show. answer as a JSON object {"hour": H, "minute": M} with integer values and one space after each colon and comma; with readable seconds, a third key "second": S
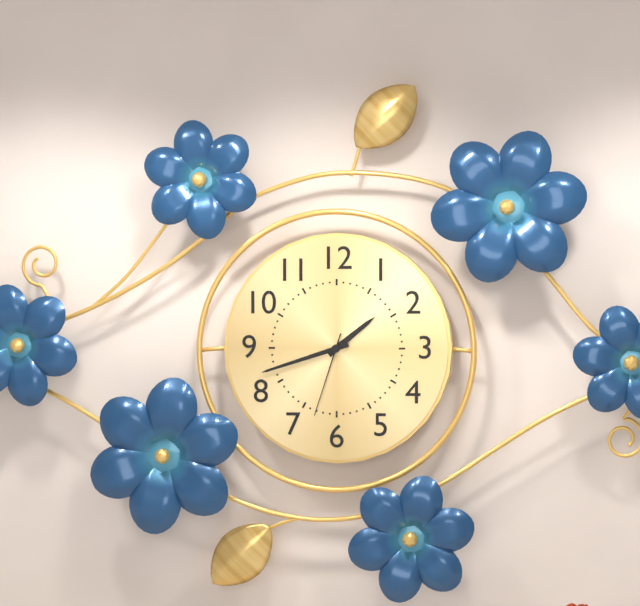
{"hour": 1, "minute": 42, "second": 33}
